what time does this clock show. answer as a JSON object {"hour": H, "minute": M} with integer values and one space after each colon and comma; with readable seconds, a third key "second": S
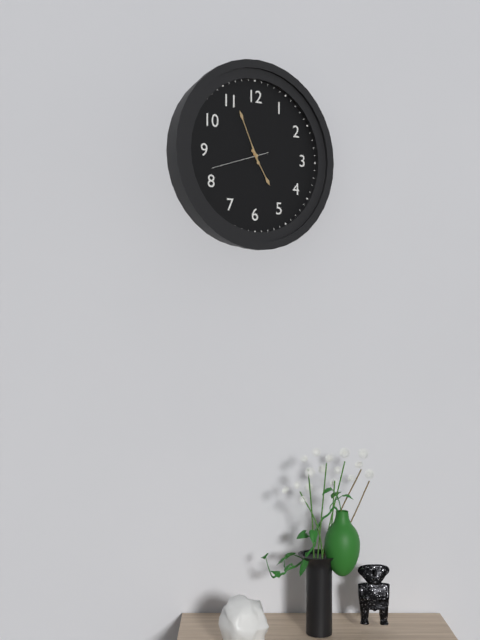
{"hour": 4, "minute": 56, "second": 42}
